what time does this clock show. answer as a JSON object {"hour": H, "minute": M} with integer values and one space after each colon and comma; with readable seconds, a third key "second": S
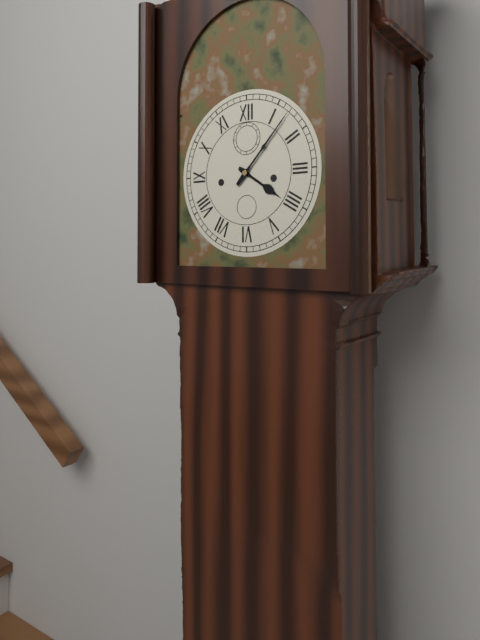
{"hour": 4, "minute": 7}
